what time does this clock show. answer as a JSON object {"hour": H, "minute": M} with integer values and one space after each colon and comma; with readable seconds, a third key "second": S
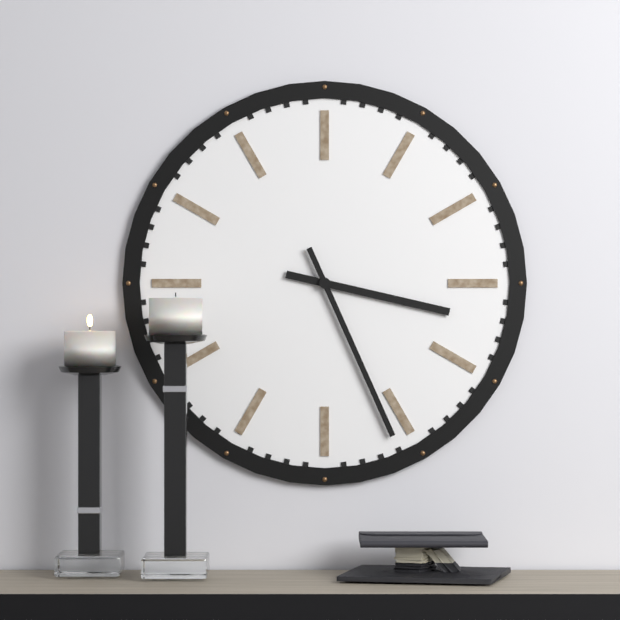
{"hour": 3, "minute": 26}
